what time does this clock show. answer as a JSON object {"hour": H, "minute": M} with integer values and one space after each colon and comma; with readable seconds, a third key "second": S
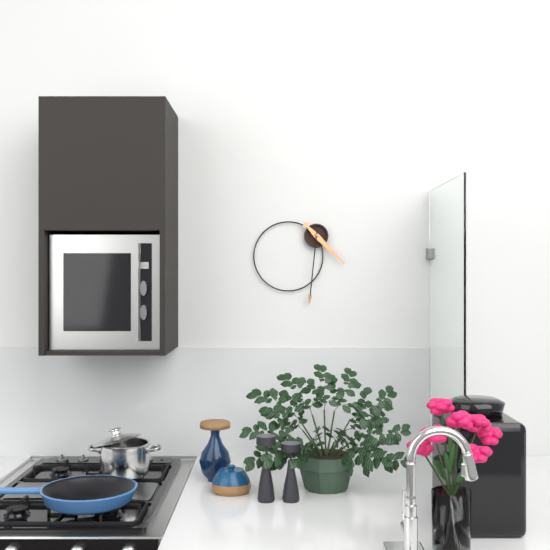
{"hour": 4, "minute": 31}
